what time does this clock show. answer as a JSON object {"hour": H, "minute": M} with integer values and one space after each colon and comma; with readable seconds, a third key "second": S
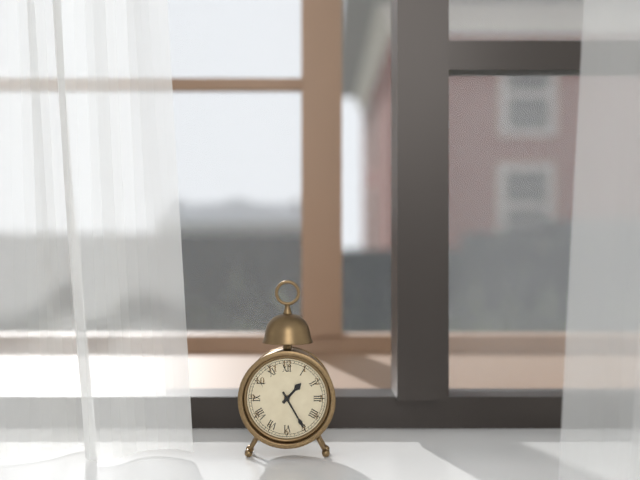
{"hour": 1, "minute": 25}
